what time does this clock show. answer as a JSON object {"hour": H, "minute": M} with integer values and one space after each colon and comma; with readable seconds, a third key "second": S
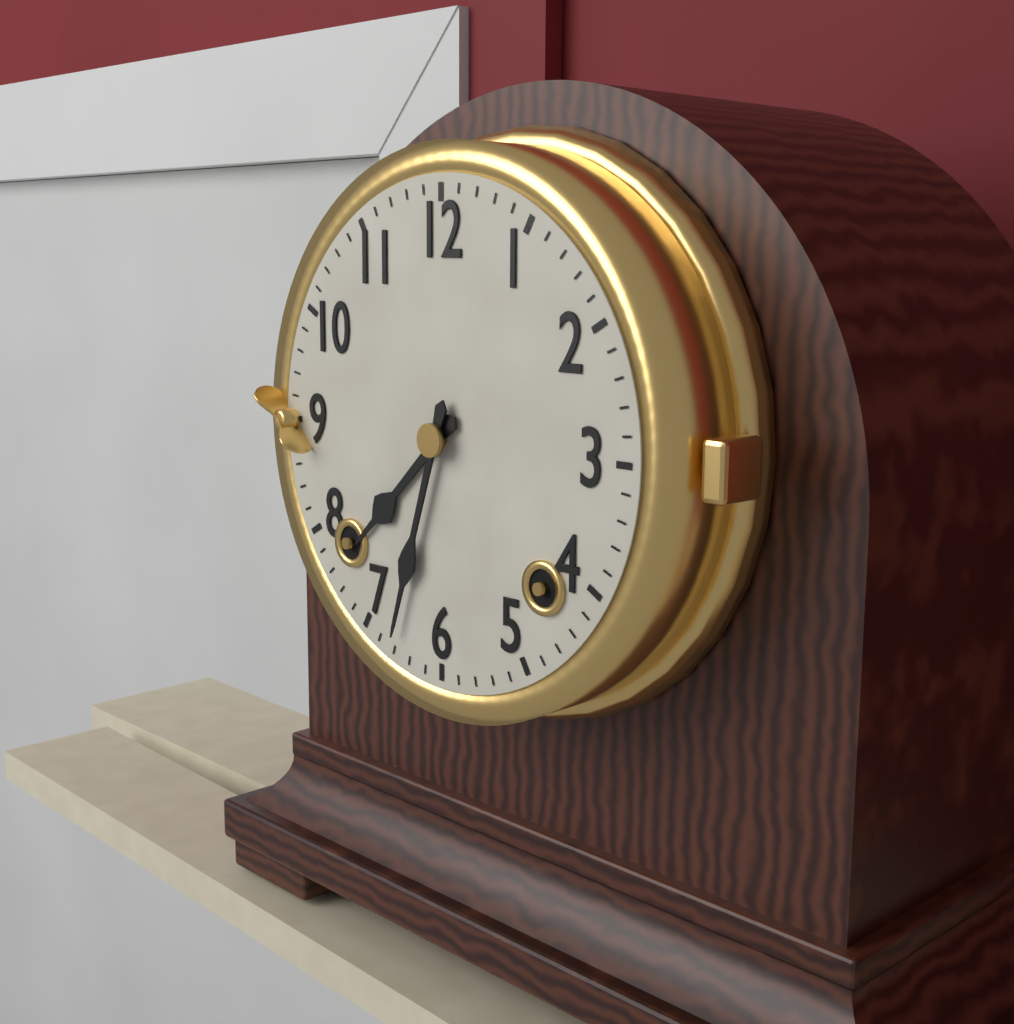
{"hour": 7, "minute": 33}
